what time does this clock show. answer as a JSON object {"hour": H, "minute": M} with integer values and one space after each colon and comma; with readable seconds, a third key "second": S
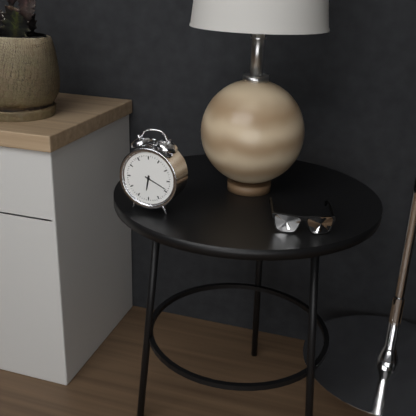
{"hour": 6, "minute": 19}
